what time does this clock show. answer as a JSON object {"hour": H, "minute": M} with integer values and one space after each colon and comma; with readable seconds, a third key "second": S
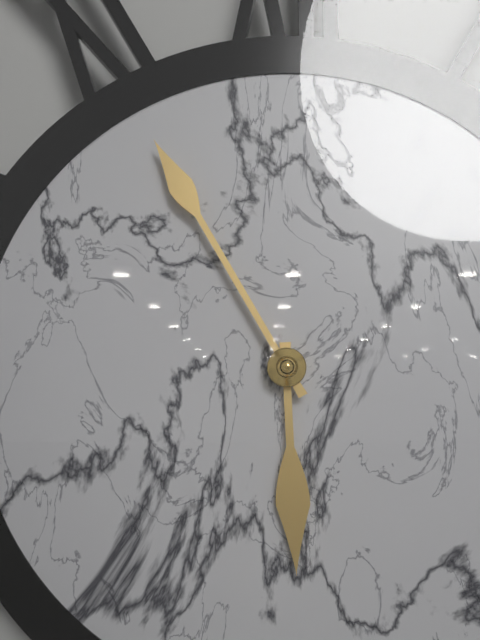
{"hour": 5, "minute": 55}
